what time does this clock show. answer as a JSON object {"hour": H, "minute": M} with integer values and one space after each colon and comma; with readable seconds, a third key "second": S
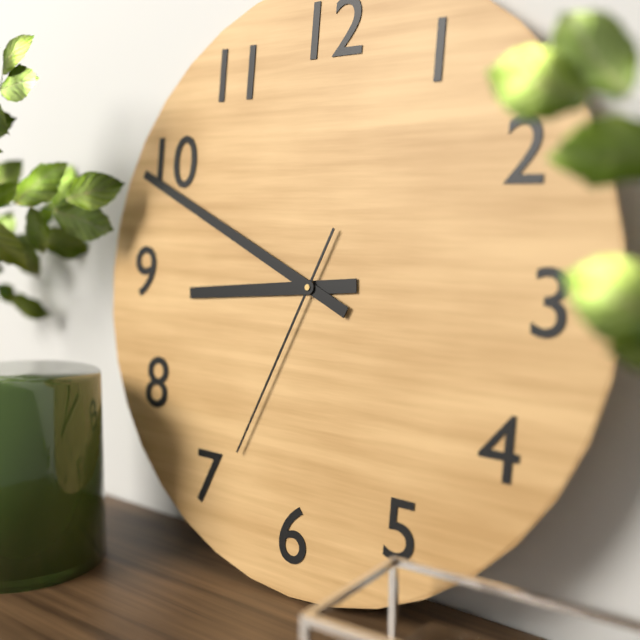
{"hour": 8, "minute": 49, "second": 34}
